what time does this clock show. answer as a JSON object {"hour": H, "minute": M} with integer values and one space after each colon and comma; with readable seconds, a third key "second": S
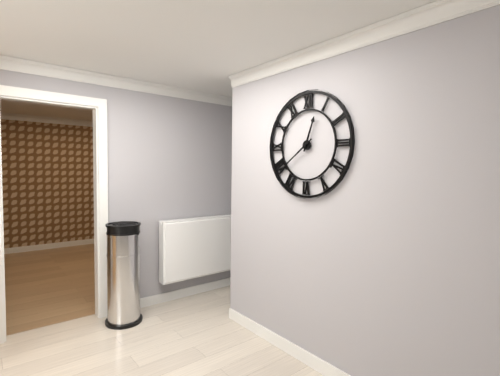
{"hour": 12, "minute": 39}
